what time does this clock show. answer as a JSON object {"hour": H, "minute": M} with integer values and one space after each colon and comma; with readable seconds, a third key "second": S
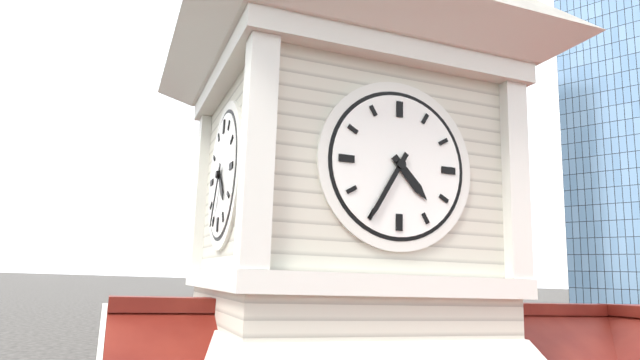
{"hour": 4, "minute": 35}
